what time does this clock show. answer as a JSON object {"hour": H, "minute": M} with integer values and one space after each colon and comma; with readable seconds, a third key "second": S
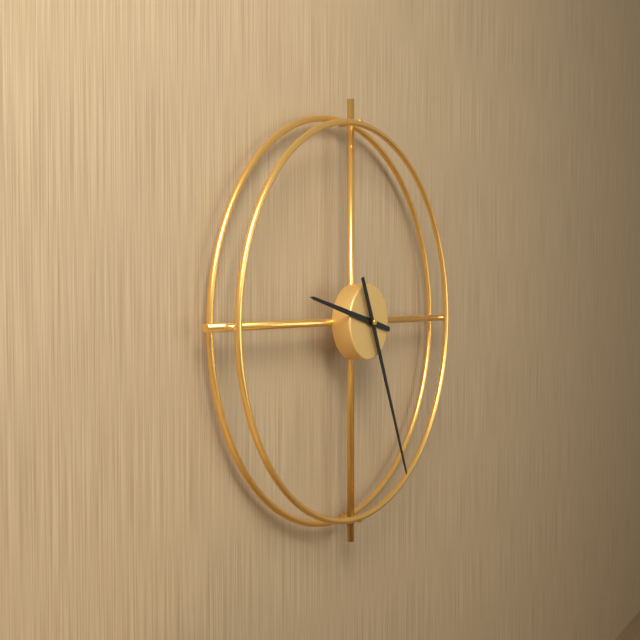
{"hour": 9, "minute": 26}
